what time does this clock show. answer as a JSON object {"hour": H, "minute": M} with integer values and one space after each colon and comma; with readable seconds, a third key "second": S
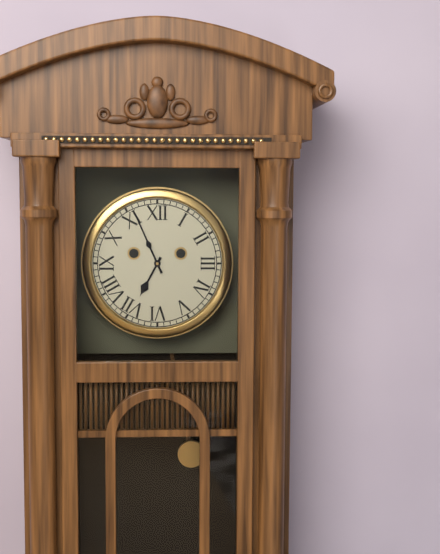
{"hour": 6, "minute": 56}
